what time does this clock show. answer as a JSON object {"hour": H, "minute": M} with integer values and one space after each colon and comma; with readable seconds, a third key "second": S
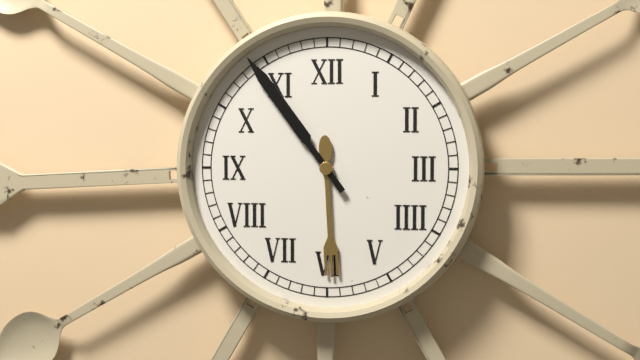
{"hour": 5, "minute": 54}
